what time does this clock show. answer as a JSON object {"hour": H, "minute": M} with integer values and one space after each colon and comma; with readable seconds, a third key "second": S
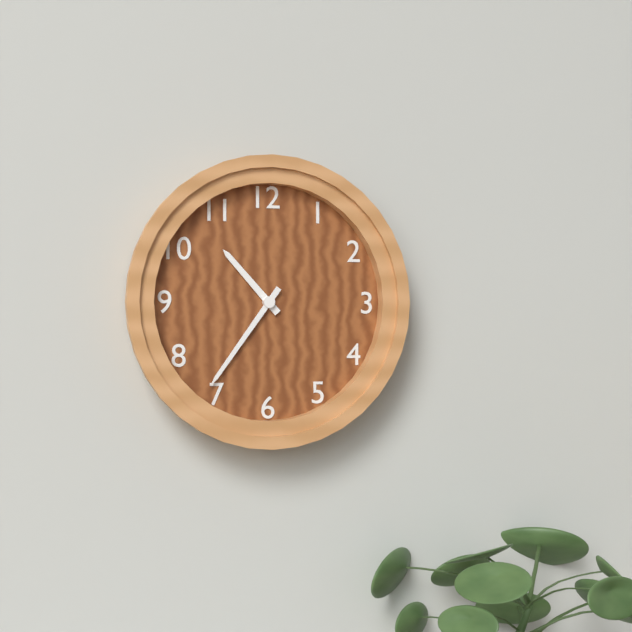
{"hour": 10, "minute": 36}
